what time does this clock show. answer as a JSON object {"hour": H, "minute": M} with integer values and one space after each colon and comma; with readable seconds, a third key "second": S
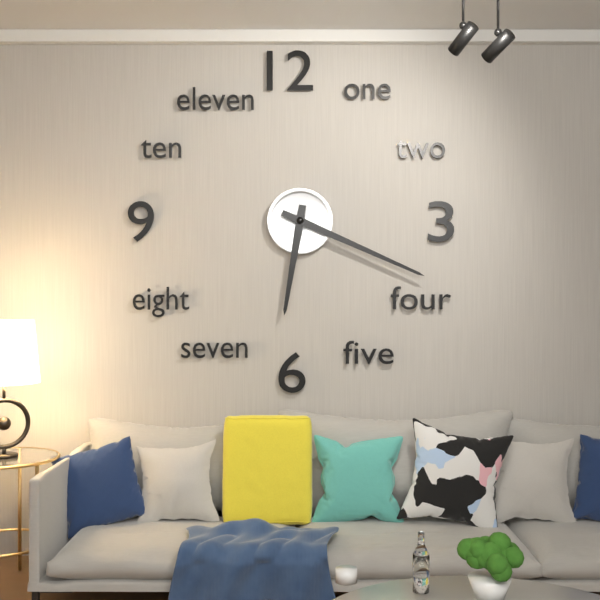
{"hour": 6, "minute": 19}
